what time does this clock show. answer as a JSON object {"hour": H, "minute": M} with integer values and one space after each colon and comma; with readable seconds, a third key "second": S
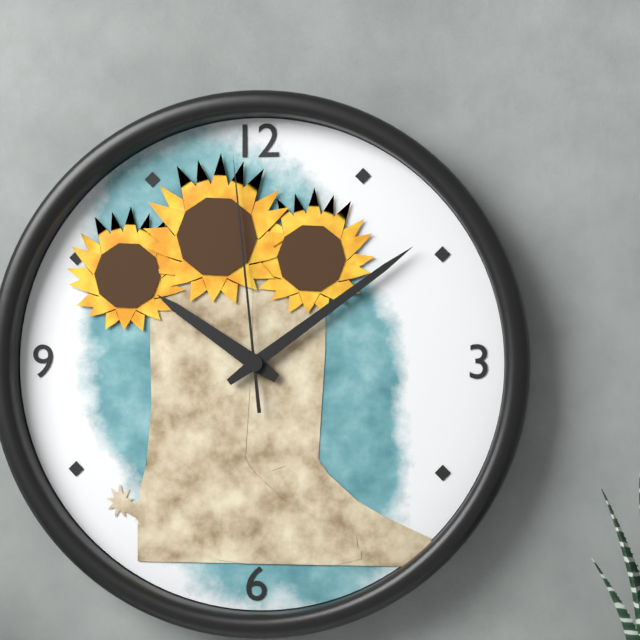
{"hour": 10, "minute": 9, "second": 59}
